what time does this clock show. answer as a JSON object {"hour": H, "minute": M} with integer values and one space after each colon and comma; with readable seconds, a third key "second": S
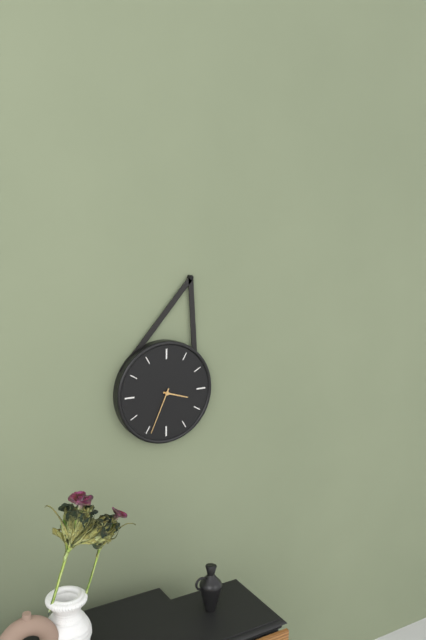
{"hour": 3, "minute": 34}
